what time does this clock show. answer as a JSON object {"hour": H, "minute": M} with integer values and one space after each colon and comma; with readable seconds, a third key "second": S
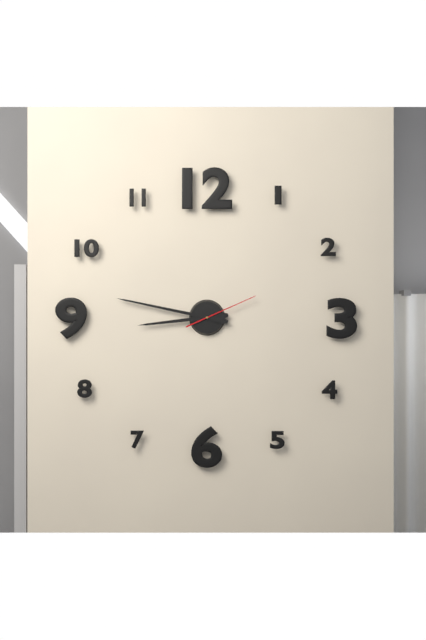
{"hour": 8, "minute": 47, "second": 11}
